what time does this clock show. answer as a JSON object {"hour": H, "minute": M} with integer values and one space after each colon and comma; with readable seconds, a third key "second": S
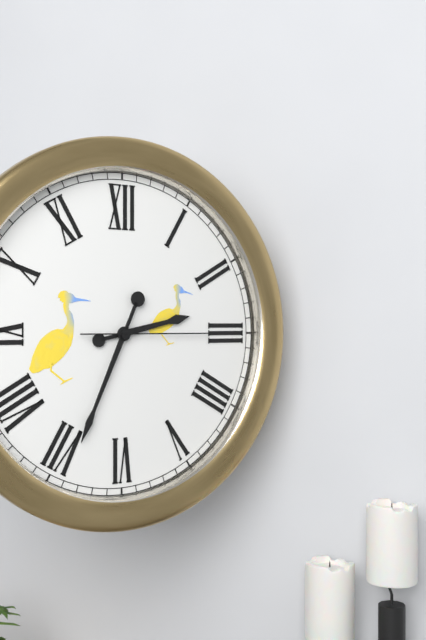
{"hour": 2, "minute": 34, "second": 15}
